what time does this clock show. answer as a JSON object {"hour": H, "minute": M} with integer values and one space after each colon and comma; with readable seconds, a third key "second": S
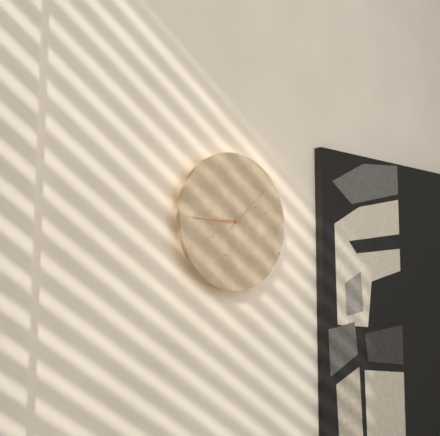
{"hour": 8, "minute": 45, "second": 8}
